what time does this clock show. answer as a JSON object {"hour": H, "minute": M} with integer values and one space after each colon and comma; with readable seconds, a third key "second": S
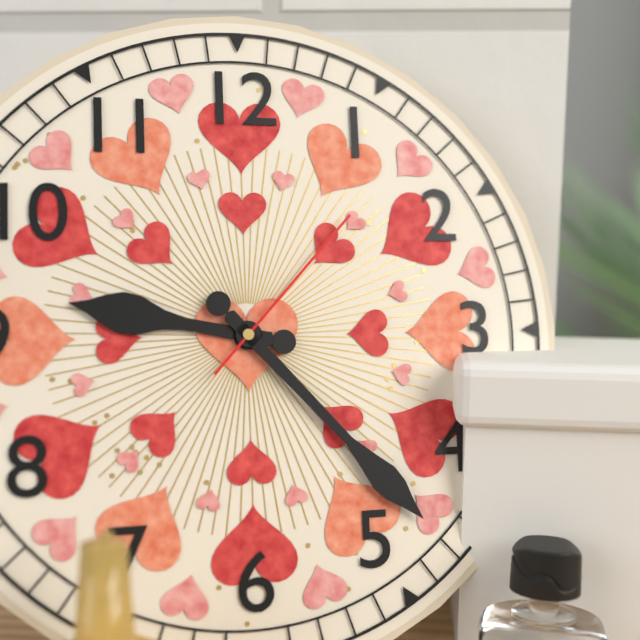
{"hour": 9, "minute": 23, "second": 7}
